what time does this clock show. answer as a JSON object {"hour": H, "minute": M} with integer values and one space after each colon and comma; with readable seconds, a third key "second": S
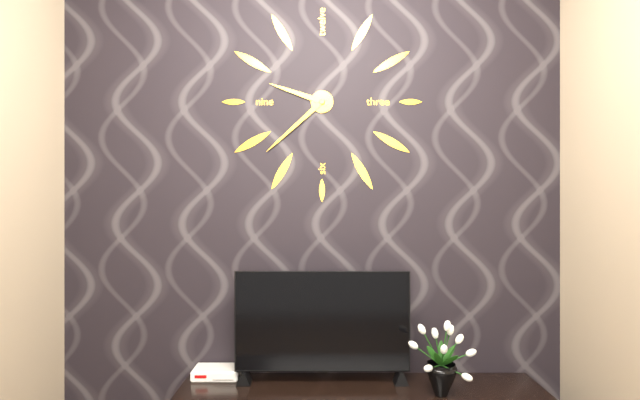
{"hour": 9, "minute": 38}
